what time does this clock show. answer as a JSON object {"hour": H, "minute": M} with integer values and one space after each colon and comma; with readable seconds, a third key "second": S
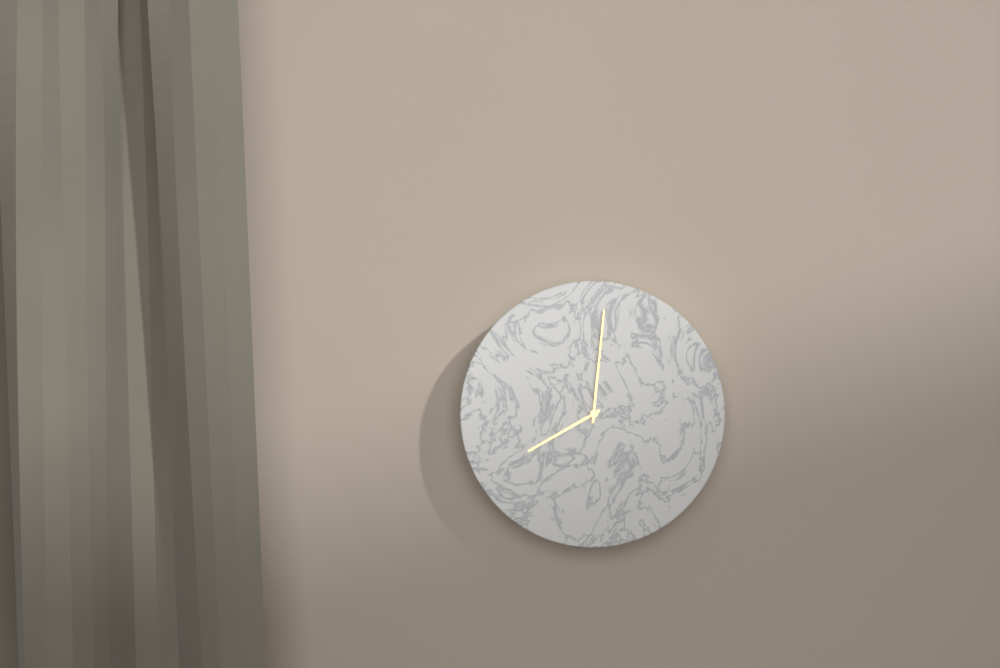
{"hour": 8, "minute": 1}
